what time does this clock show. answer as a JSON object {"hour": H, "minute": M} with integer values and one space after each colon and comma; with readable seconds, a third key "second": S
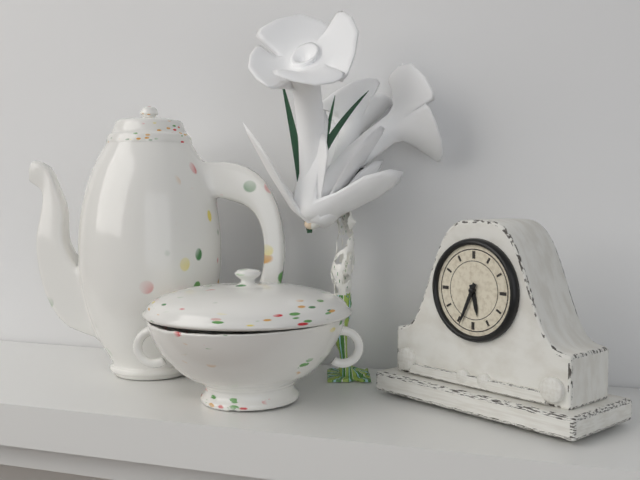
{"hour": 5, "minute": 34}
